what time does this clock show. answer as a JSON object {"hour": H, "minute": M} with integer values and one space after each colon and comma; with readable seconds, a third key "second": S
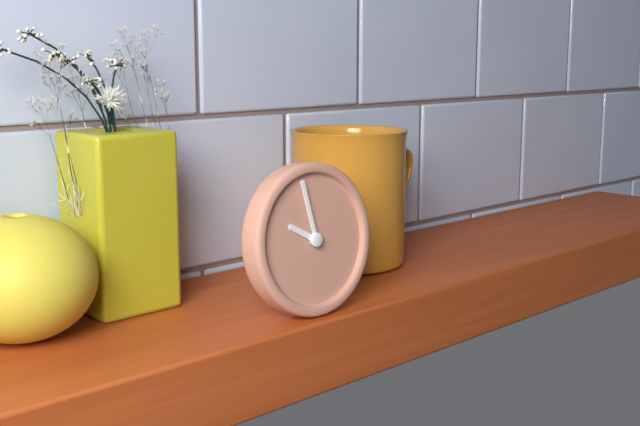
{"hour": 9, "minute": 58}
